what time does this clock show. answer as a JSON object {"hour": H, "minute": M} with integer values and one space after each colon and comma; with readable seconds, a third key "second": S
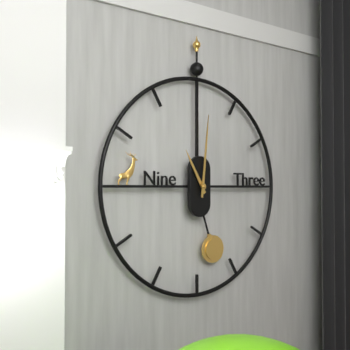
{"hour": 11, "minute": 1}
